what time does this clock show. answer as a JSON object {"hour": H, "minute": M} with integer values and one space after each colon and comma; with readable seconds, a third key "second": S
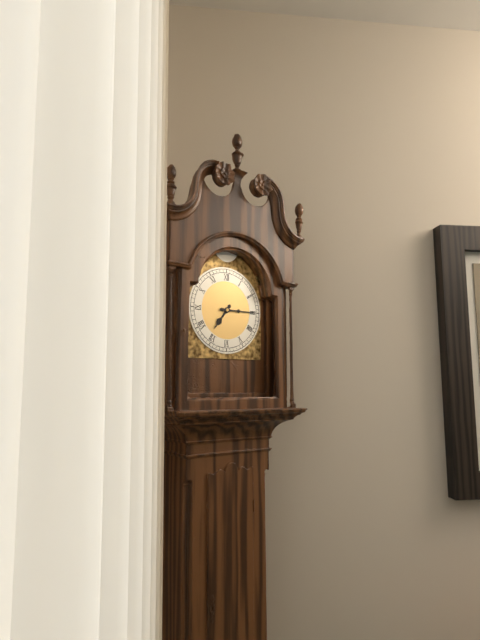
{"hour": 7, "minute": 15}
